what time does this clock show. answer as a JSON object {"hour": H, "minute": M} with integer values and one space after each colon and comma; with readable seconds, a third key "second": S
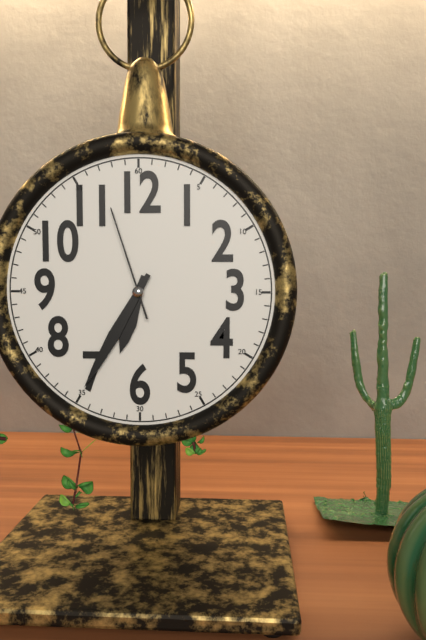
{"hour": 6, "minute": 35, "second": 57}
